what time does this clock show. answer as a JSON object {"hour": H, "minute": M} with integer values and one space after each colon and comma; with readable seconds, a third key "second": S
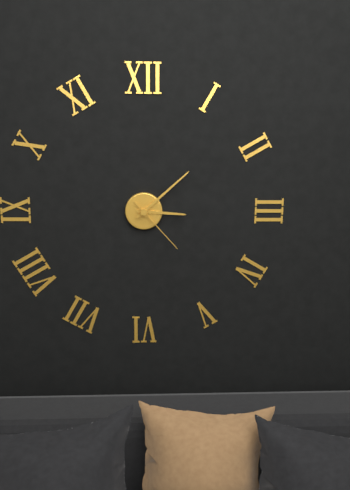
{"hour": 3, "minute": 8, "second": 23}
